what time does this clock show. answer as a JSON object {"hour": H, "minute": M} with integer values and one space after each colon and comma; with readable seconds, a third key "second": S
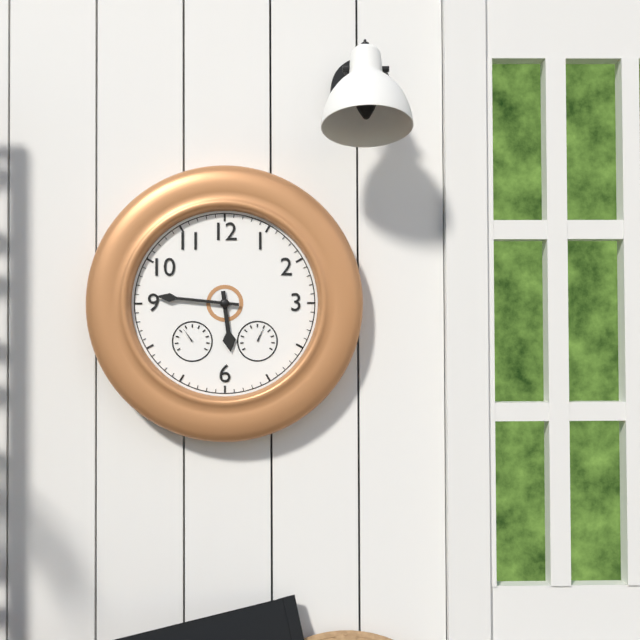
{"hour": 5, "minute": 46}
